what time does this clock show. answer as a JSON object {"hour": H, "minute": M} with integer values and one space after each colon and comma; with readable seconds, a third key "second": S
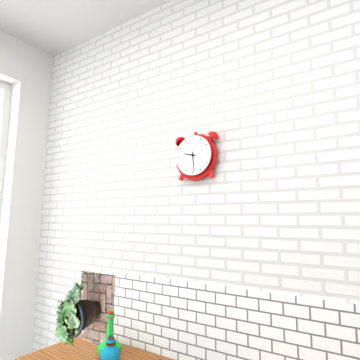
{"hour": 9, "minute": 29}
